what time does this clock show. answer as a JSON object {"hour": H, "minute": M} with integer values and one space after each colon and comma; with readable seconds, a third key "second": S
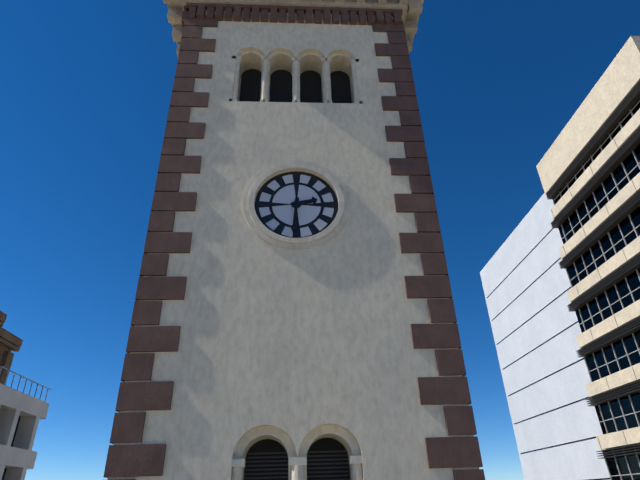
{"hour": 2, "minute": 31}
